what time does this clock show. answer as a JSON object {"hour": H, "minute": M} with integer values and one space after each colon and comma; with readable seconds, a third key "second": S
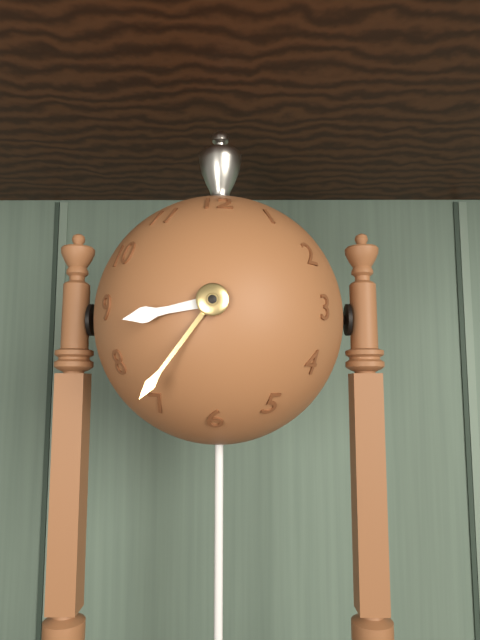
{"hour": 8, "minute": 36}
